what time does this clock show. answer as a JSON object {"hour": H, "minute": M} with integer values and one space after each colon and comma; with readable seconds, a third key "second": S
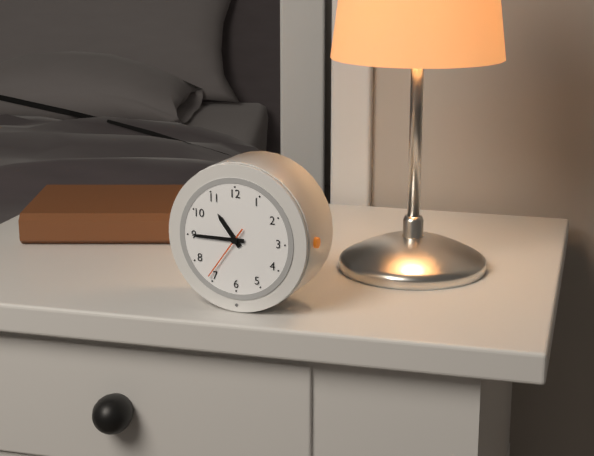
{"hour": 10, "minute": 45, "second": 36}
